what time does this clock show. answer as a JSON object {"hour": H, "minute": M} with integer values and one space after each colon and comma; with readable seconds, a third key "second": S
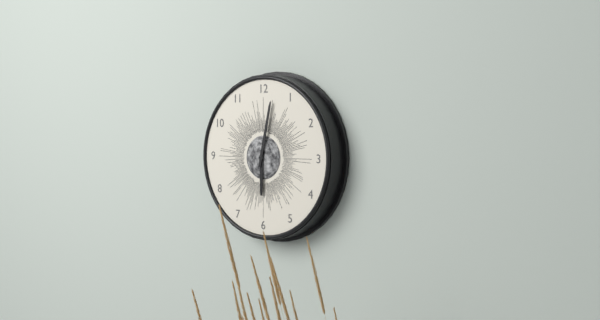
{"hour": 6, "minute": 2}
